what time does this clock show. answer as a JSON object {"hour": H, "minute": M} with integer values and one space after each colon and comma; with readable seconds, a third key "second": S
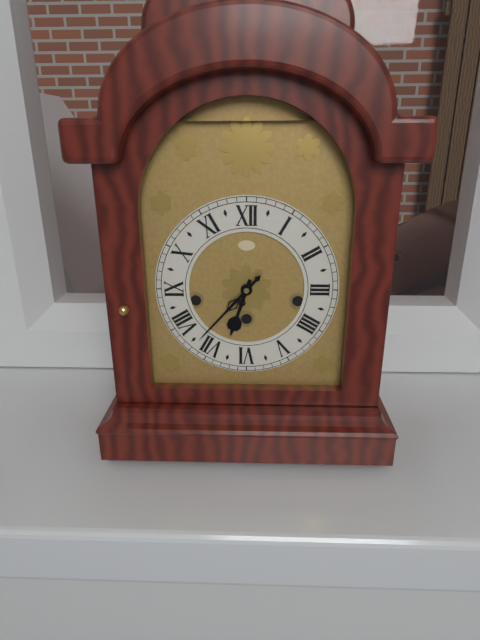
{"hour": 6, "minute": 37}
